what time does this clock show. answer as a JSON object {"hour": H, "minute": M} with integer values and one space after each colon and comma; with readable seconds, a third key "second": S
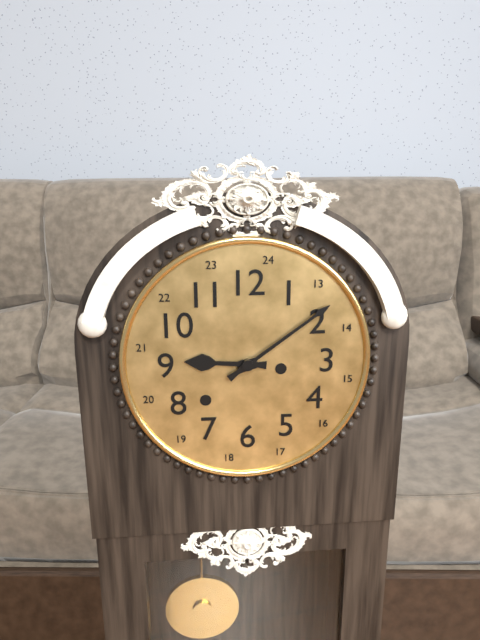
{"hour": 9, "minute": 9}
